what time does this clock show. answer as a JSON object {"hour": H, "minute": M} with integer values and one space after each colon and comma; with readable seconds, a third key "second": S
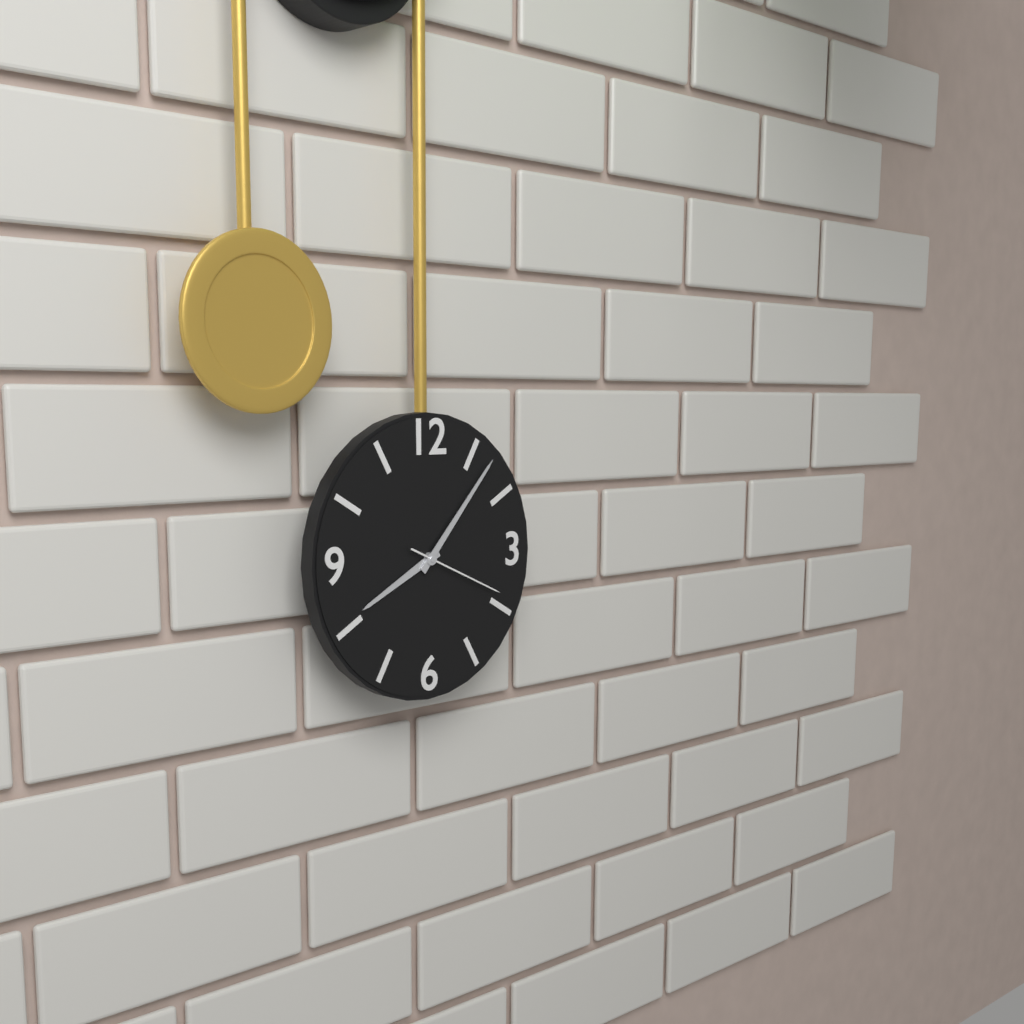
{"hour": 8, "minute": 7, "second": 19}
